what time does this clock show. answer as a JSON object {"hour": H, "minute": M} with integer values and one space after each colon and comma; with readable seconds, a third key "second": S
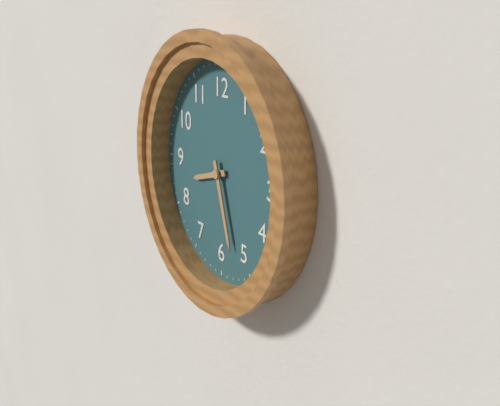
{"hour": 8, "minute": 27}
